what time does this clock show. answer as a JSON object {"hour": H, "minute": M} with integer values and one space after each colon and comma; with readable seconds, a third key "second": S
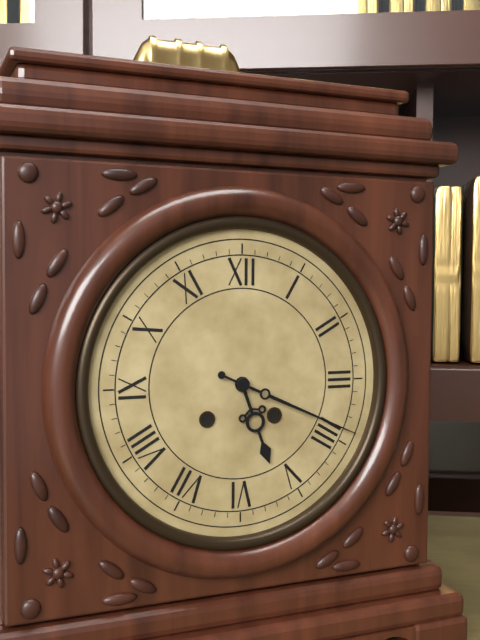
{"hour": 5, "minute": 19}
